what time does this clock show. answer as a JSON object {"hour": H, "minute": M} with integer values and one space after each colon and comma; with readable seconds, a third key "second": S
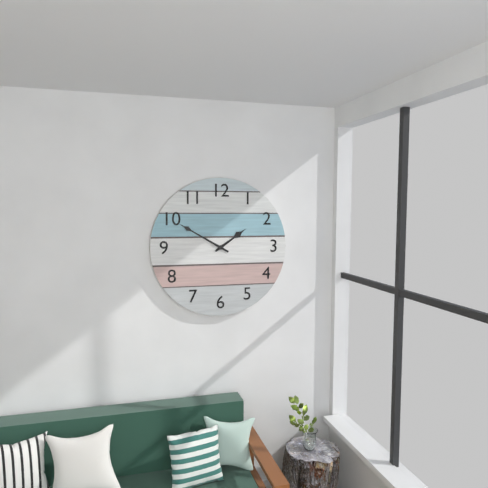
{"hour": 1, "minute": 50}
